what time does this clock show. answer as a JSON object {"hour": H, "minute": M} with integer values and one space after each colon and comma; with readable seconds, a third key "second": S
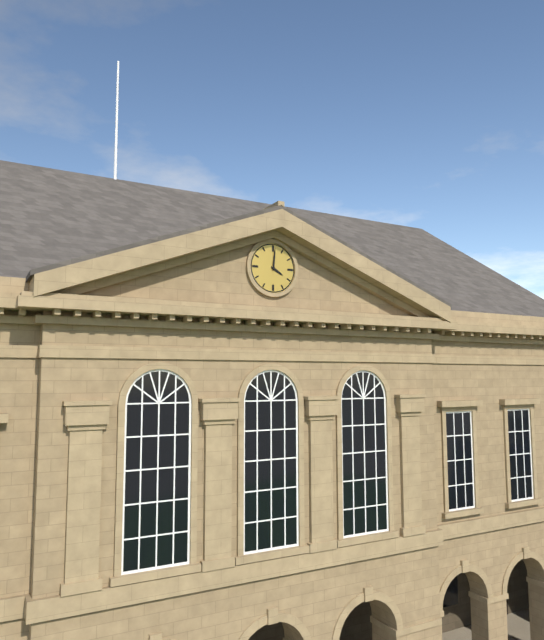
{"hour": 4, "minute": 1}
